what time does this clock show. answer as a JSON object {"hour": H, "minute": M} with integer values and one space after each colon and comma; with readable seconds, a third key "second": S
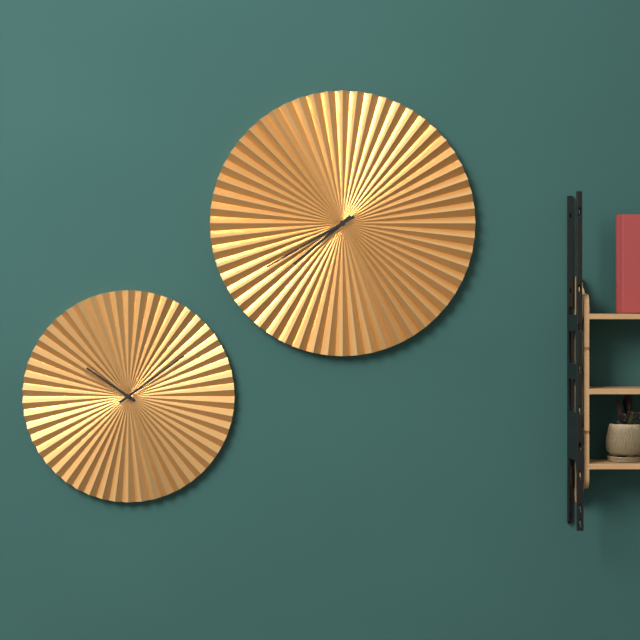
{"hour": 7, "minute": 40}
